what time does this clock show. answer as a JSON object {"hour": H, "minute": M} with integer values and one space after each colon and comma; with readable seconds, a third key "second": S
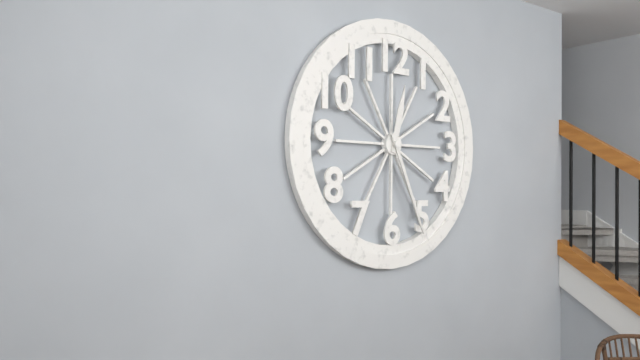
{"hour": 12, "minute": 26}
